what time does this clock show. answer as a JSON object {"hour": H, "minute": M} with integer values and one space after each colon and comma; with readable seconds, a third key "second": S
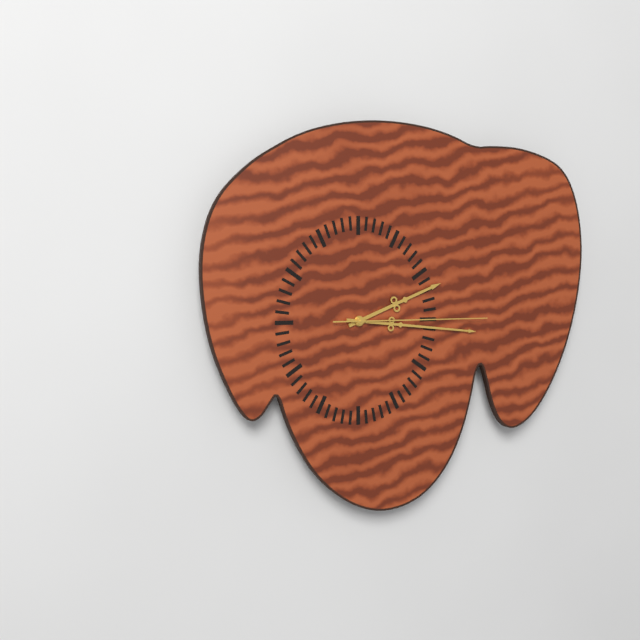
{"hour": 2, "minute": 16, "second": 15}
